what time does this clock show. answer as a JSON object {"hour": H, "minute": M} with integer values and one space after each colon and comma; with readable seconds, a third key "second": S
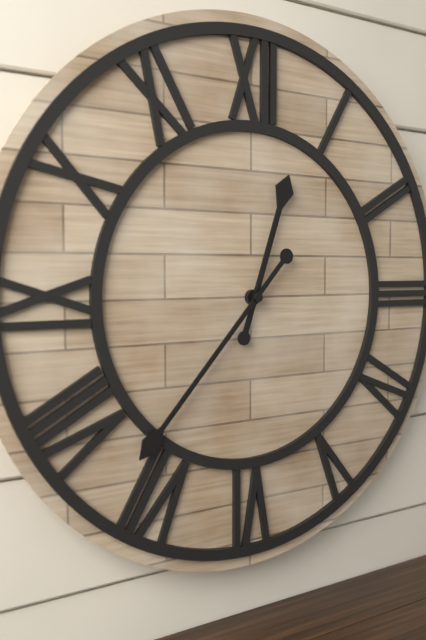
{"hour": 12, "minute": 37}
